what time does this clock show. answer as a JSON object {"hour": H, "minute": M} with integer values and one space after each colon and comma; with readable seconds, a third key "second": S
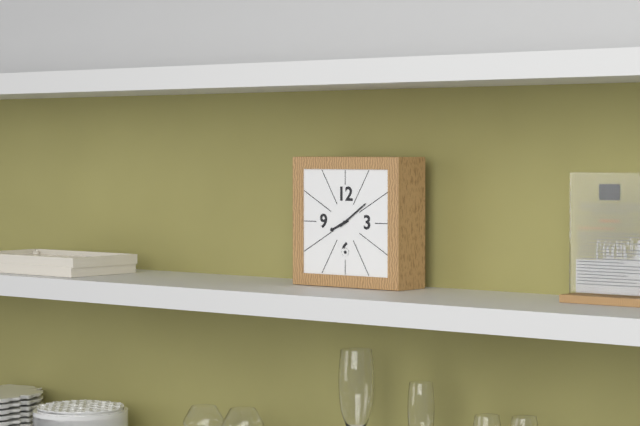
{"hour": 8, "minute": 9}
